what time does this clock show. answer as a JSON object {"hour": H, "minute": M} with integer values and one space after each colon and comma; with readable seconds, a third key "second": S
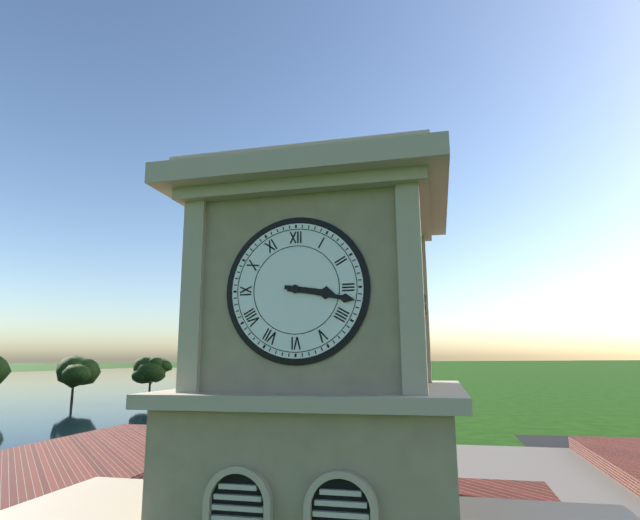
{"hour": 3, "minute": 17}
